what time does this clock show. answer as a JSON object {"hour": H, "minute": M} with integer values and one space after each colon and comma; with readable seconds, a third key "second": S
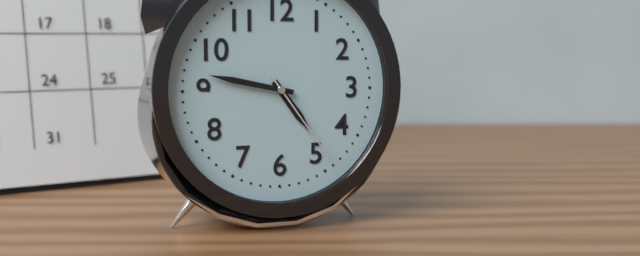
{"hour": 4, "minute": 47, "second": 24}
